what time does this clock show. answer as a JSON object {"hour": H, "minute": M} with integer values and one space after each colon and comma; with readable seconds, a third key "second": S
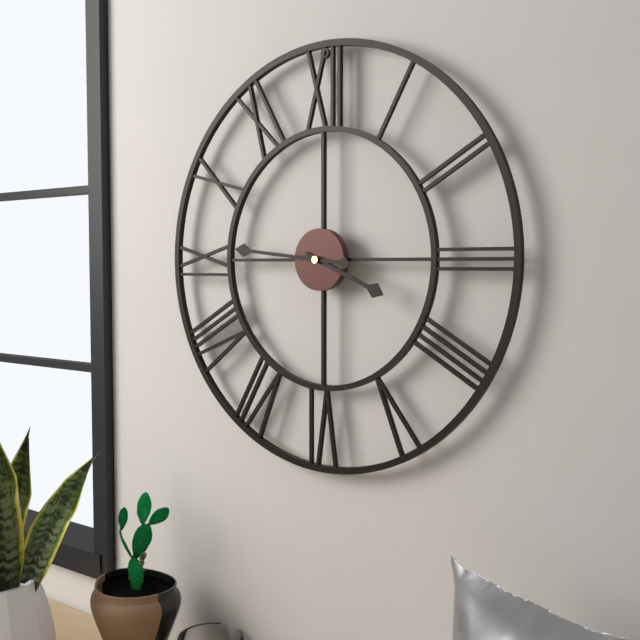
{"hour": 3, "minute": 46}
